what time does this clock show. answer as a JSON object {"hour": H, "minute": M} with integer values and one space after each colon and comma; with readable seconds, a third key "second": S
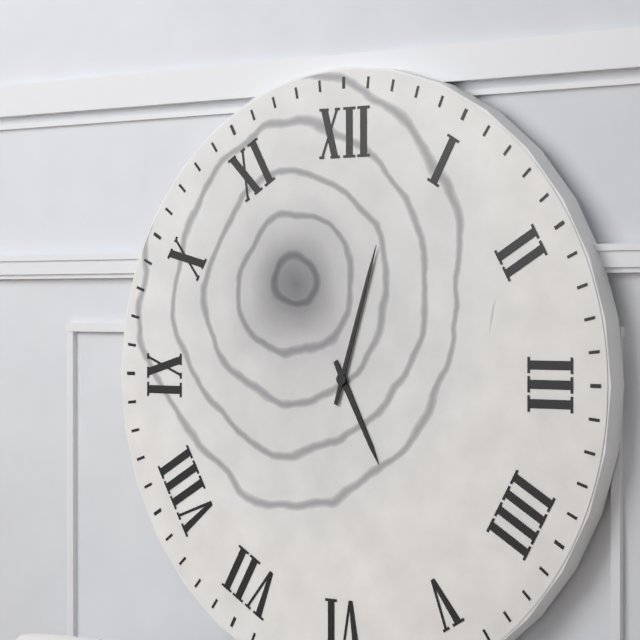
{"hour": 5, "minute": 3}
